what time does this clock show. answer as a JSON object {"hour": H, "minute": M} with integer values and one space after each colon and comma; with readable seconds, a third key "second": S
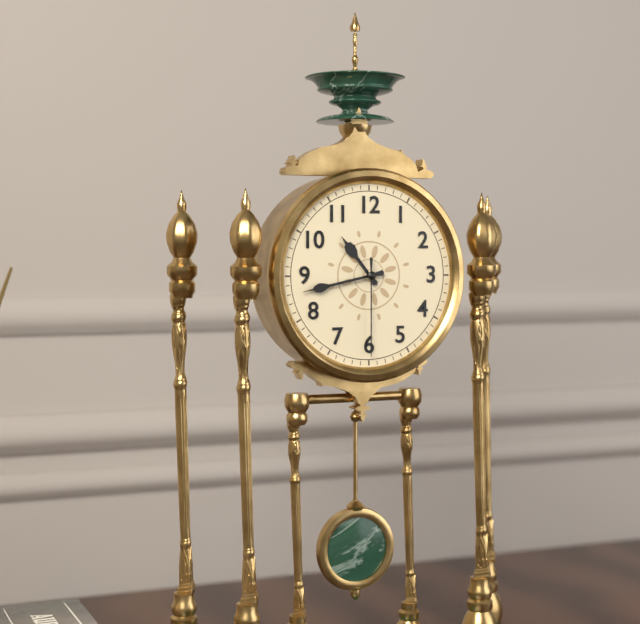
{"hour": 10, "minute": 43, "second": 30}
